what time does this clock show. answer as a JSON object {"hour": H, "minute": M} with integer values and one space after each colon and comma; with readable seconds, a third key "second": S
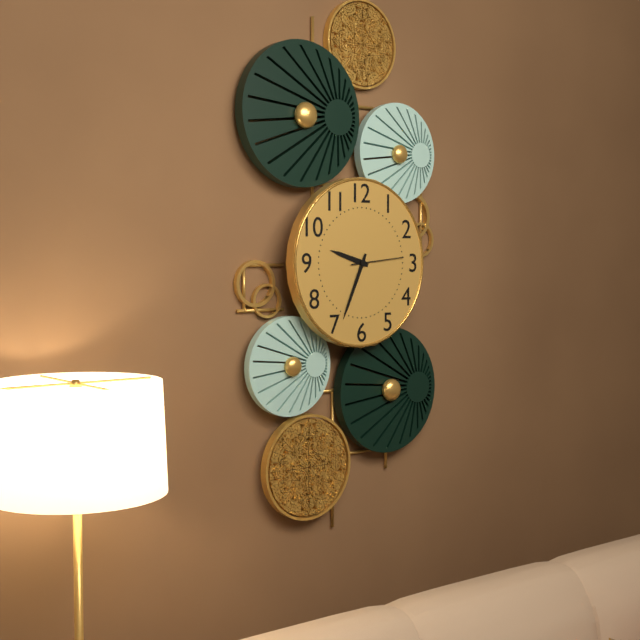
{"hour": 9, "minute": 34, "second": 14}
